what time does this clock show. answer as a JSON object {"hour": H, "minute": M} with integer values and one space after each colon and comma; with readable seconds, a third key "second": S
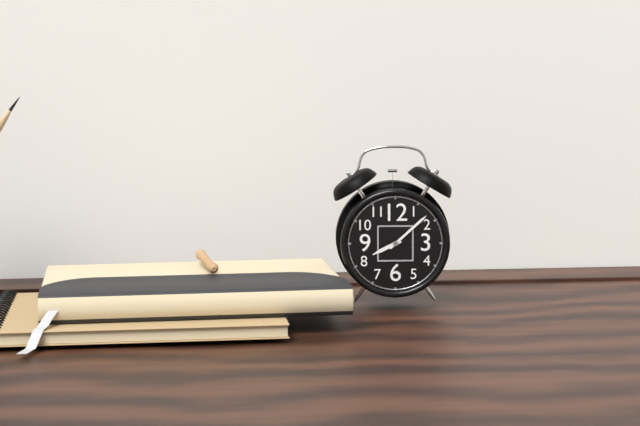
{"hour": 8, "minute": 8}
